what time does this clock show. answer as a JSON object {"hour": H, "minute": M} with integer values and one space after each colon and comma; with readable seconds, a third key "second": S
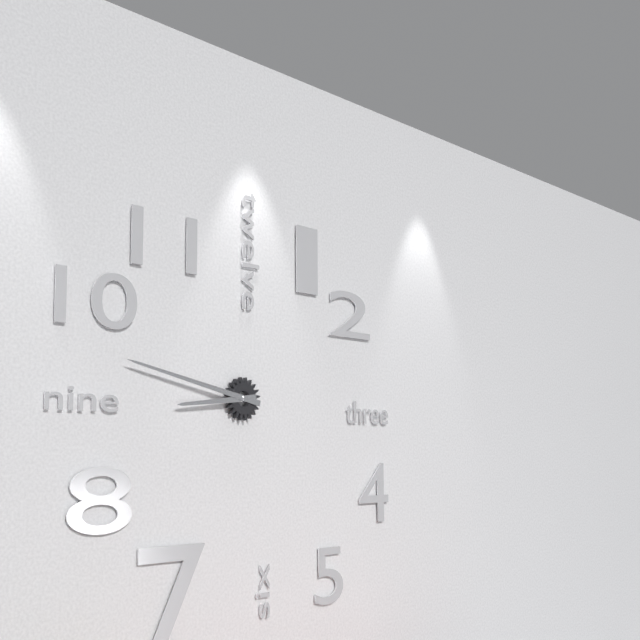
{"hour": 8, "minute": 47}
